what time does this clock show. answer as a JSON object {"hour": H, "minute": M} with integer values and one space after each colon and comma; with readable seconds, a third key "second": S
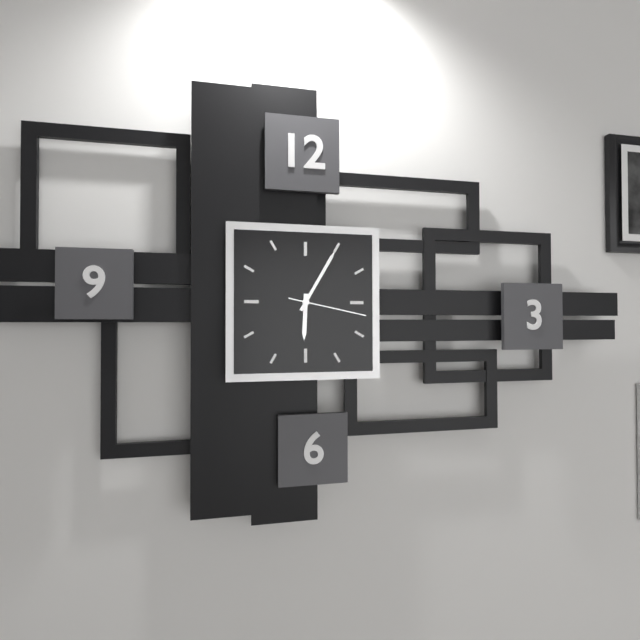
{"hour": 6, "minute": 5, "second": 17}
